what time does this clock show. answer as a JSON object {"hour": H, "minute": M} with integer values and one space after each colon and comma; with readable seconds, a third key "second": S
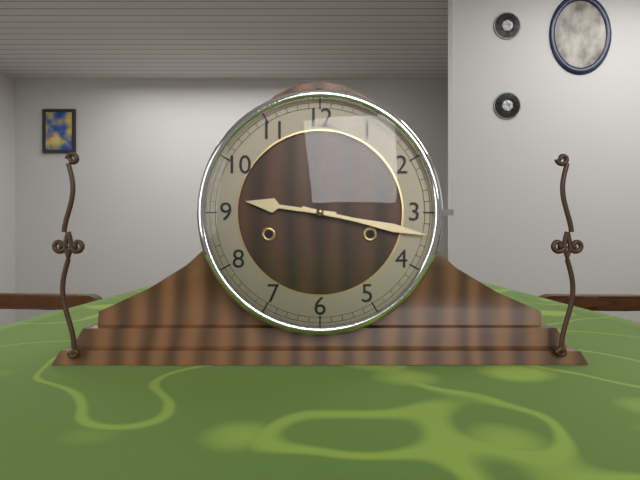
{"hour": 9, "minute": 17}
